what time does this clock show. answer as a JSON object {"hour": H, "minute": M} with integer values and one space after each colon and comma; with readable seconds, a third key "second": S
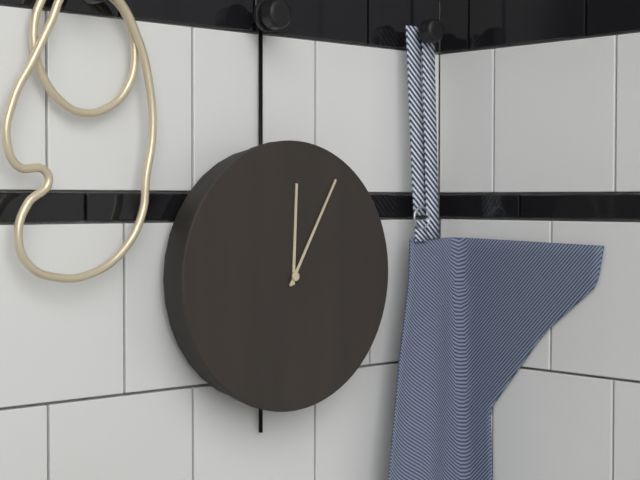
{"hour": 12, "minute": 5}
